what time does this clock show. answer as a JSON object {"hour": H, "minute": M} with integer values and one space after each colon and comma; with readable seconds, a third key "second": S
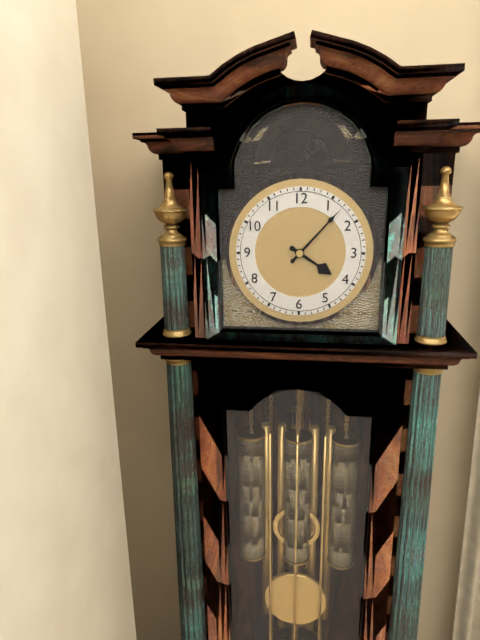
{"hour": 4, "minute": 7}
